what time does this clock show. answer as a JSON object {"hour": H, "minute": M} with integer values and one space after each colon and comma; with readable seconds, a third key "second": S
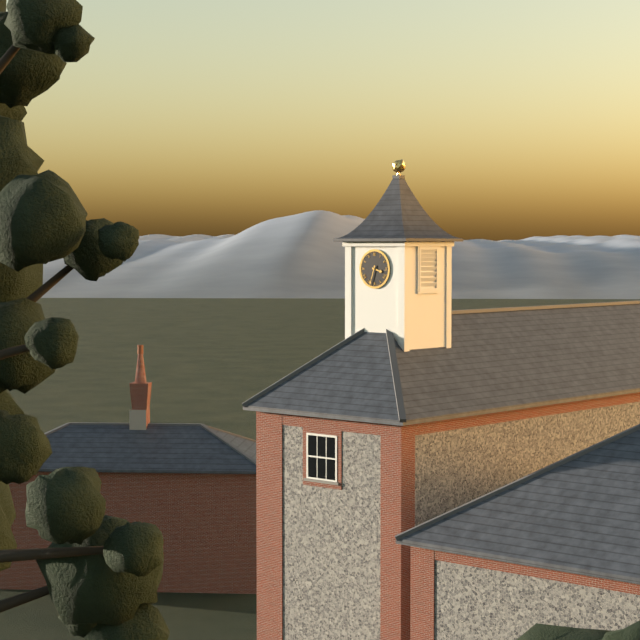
{"hour": 3, "minute": 33}
